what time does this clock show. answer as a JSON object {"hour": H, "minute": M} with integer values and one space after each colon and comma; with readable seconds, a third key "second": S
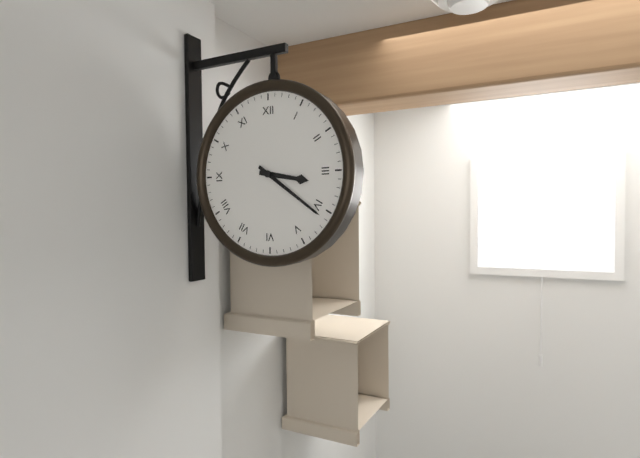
{"hour": 3, "minute": 21}
